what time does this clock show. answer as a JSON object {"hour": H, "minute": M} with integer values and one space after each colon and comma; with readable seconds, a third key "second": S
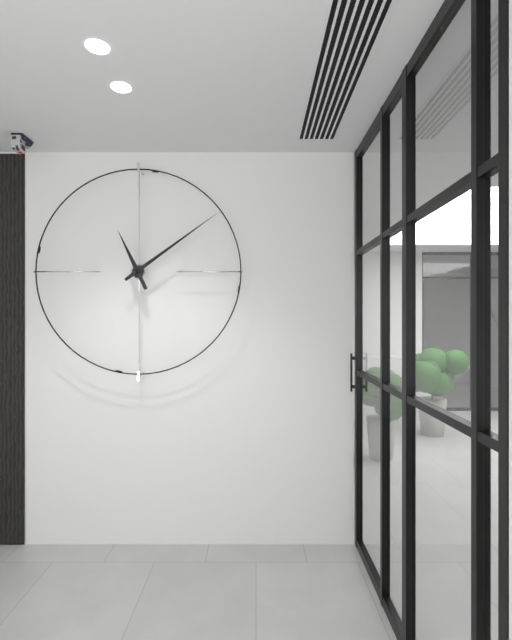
{"hour": 11, "minute": 9}
